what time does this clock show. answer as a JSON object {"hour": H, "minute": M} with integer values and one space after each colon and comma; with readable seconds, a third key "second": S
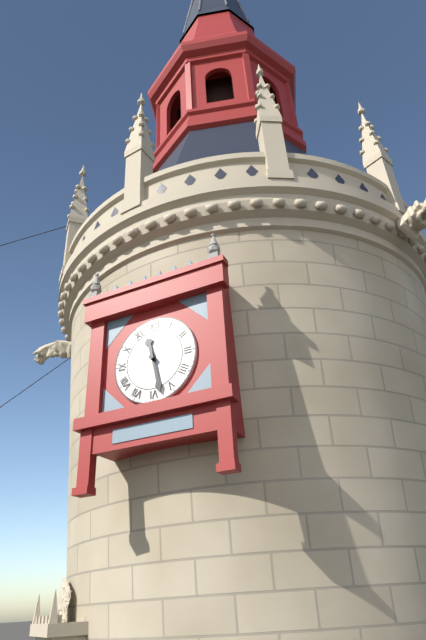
{"hour": 11, "minute": 28}
